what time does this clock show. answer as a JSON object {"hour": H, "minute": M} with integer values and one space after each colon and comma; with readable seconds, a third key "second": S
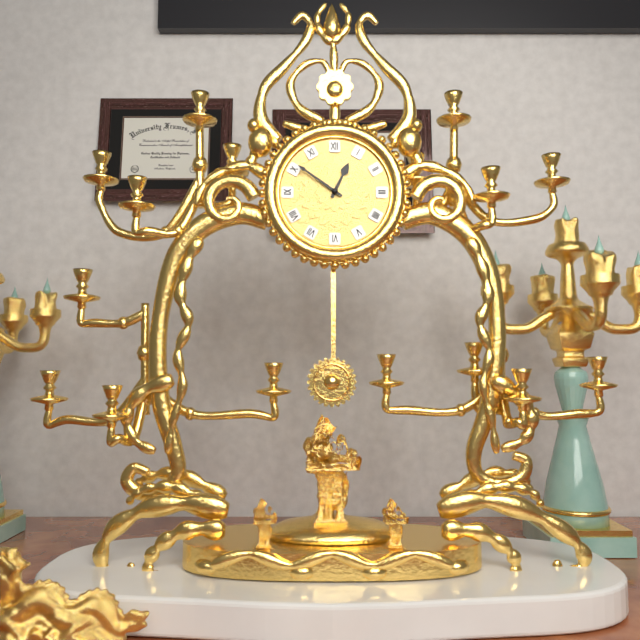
{"hour": 12, "minute": 51}
